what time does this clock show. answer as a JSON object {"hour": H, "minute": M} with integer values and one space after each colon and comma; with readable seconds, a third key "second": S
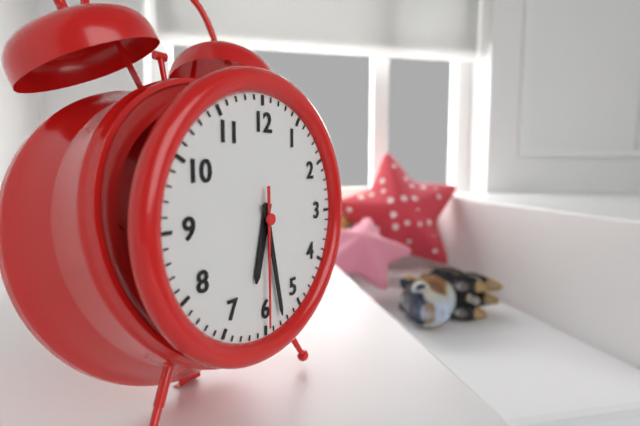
{"hour": 6, "minute": 28, "second": 30}
